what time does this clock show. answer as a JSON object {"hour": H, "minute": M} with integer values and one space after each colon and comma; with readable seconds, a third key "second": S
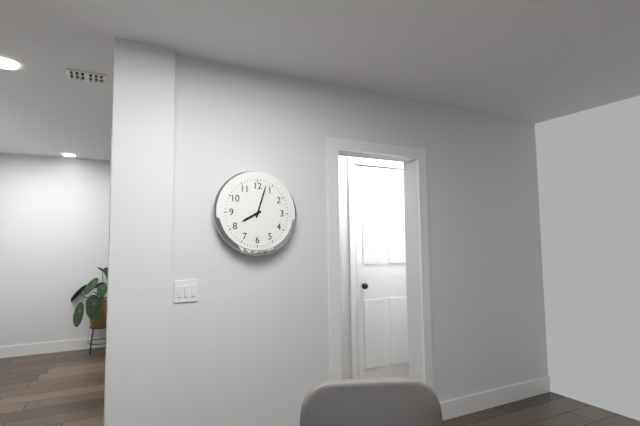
{"hour": 8, "minute": 3}
